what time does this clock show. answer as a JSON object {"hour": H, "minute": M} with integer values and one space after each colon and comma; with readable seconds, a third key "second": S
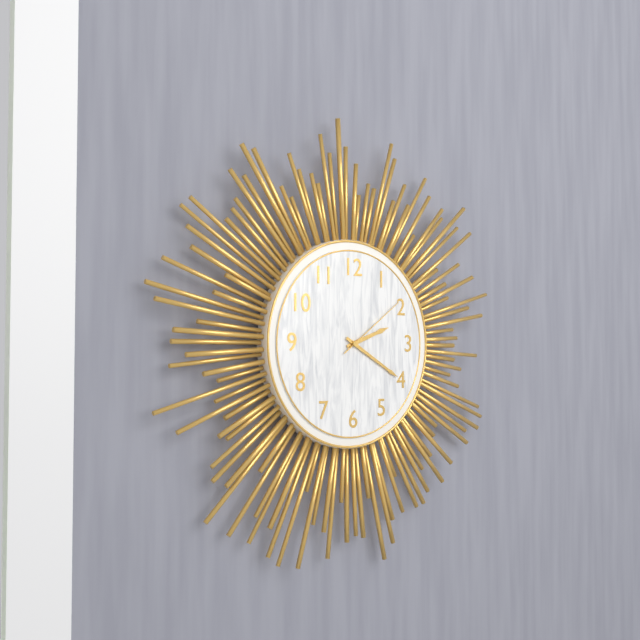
{"hour": 2, "minute": 20, "second": 9}
